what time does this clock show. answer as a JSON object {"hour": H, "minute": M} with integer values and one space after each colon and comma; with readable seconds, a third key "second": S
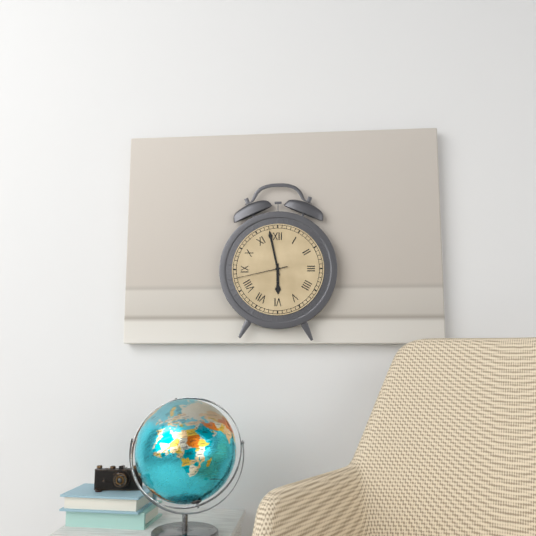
{"hour": 5, "minute": 58, "second": 43}
